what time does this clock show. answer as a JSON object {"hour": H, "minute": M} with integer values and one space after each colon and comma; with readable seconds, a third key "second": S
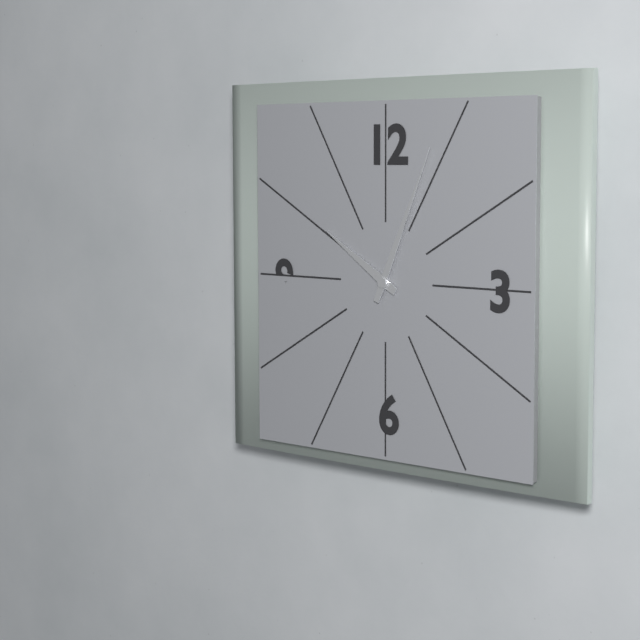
{"hour": 10, "minute": 4}
